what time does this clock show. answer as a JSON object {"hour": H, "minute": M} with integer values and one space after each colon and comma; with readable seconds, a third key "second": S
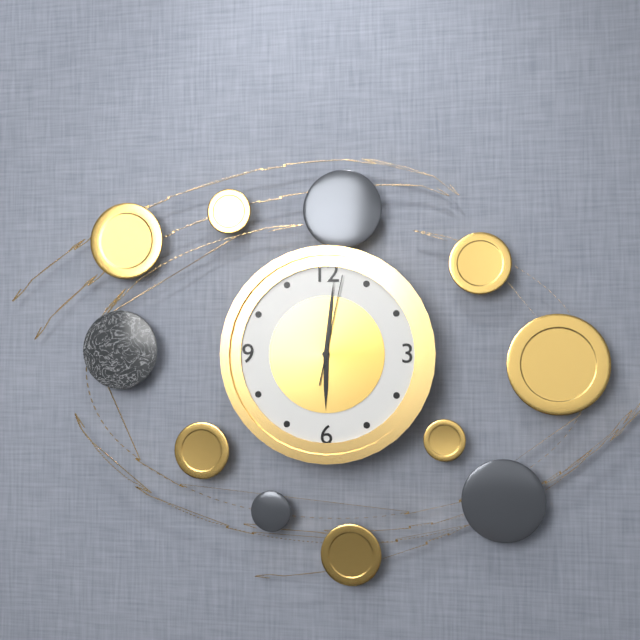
{"hour": 6, "minute": 1, "second": 2}
